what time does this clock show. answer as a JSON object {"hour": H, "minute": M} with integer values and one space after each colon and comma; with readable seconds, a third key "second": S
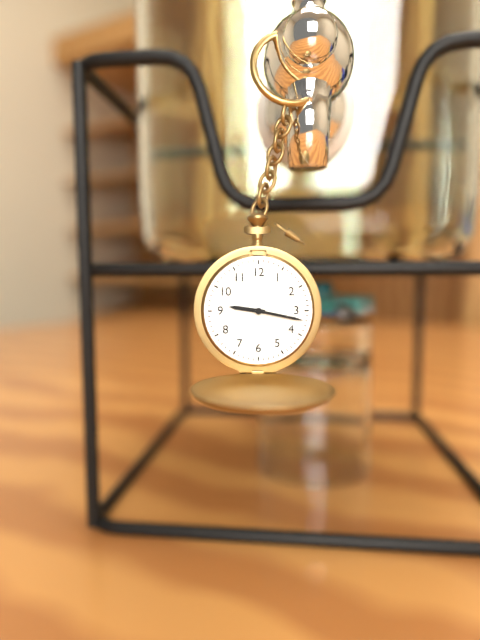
{"hour": 9, "minute": 17}
